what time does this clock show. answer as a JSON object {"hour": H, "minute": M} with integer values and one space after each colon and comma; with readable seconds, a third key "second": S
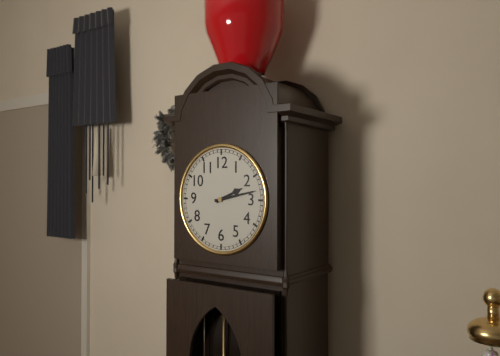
{"hour": 2, "minute": 13}
